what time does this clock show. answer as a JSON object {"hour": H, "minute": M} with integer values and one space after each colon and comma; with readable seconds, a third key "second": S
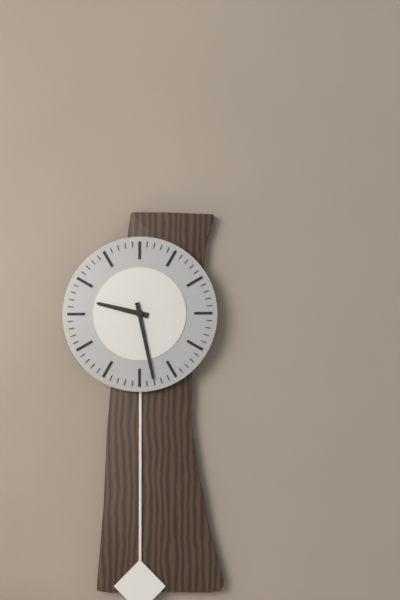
{"hour": 9, "minute": 28}
